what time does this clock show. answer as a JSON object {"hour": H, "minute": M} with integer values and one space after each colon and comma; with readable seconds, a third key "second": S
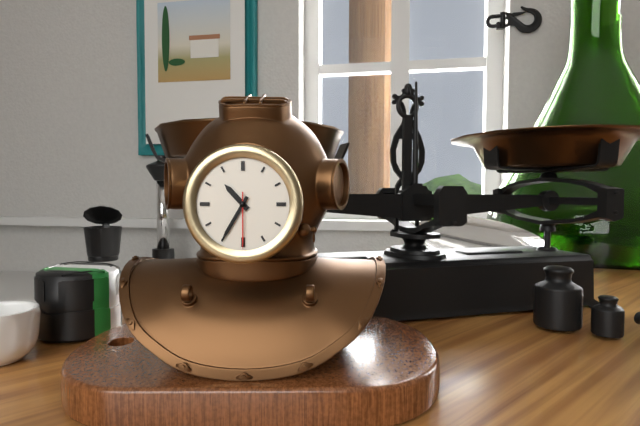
{"hour": 10, "minute": 35, "second": 30}
